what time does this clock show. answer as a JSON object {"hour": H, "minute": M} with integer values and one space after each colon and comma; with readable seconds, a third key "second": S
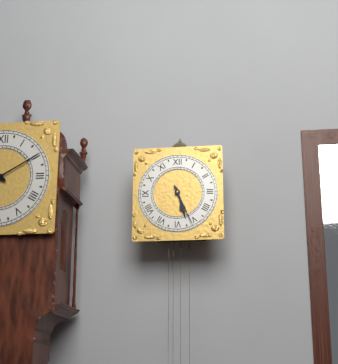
{"hour": 5, "minute": 26}
